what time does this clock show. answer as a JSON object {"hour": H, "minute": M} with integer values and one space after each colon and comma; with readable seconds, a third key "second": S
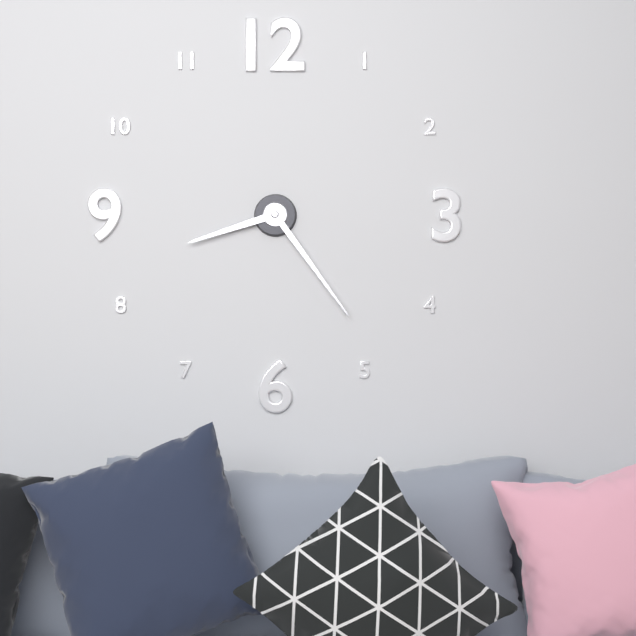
{"hour": 8, "minute": 24}
